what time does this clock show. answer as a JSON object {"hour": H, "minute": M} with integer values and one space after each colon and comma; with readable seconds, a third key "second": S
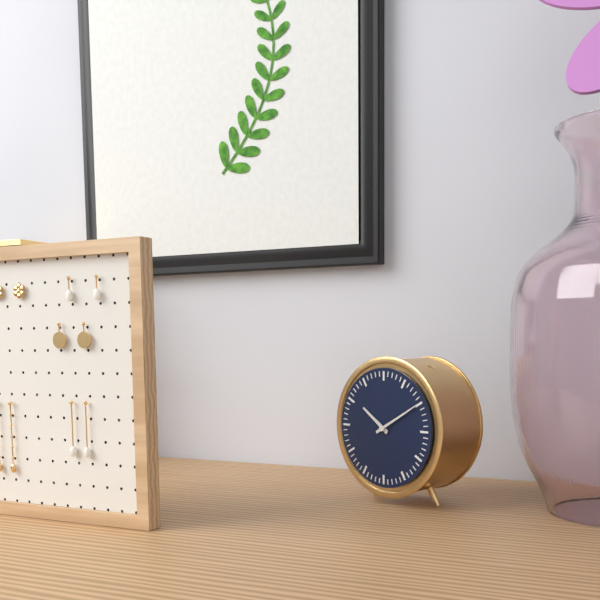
{"hour": 10, "minute": 10}
